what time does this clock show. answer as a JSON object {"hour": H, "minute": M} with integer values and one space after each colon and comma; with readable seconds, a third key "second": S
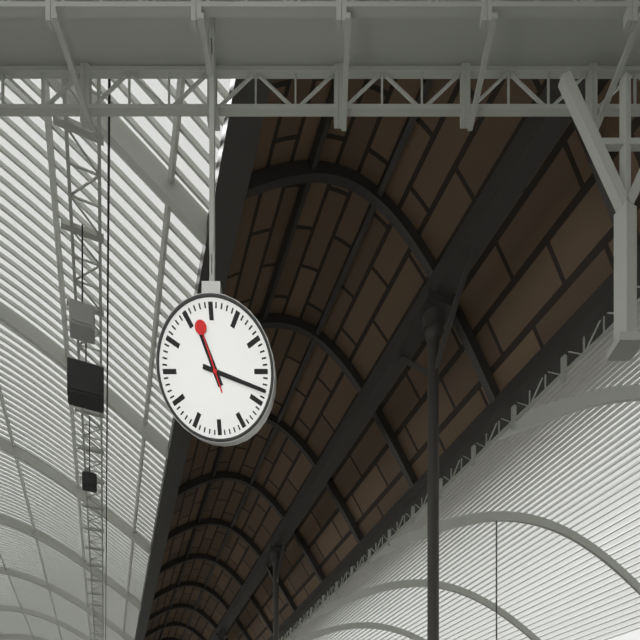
{"hour": 11, "minute": 18, "second": 57}
